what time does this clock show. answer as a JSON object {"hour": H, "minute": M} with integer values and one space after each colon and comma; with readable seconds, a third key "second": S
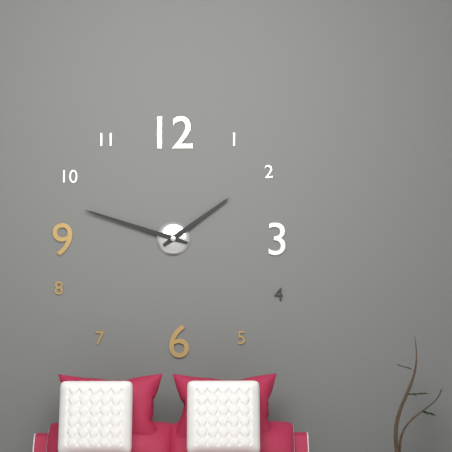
{"hour": 1, "minute": 48}
